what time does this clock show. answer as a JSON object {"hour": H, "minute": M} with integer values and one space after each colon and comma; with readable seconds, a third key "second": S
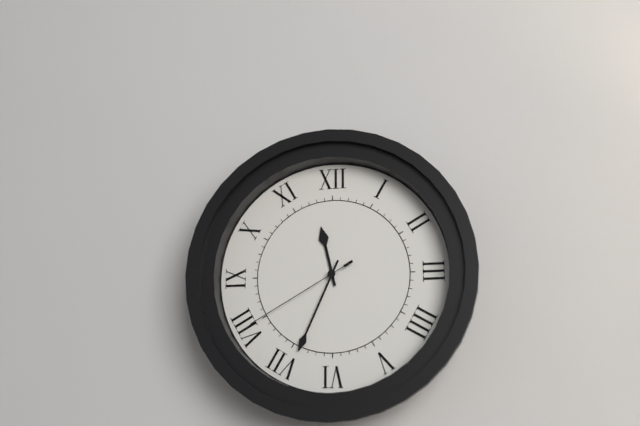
{"hour": 11, "minute": 34, "second": 40}
